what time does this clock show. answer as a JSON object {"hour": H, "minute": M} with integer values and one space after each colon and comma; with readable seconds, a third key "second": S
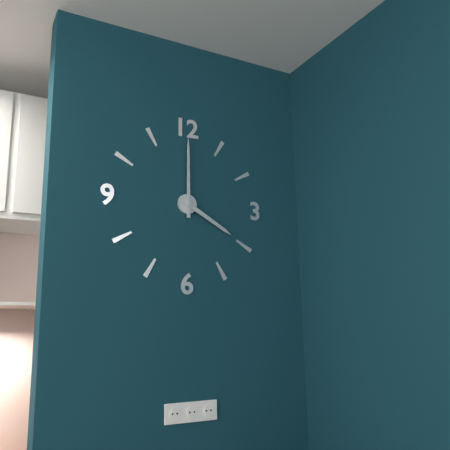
{"hour": 4, "minute": 0}
